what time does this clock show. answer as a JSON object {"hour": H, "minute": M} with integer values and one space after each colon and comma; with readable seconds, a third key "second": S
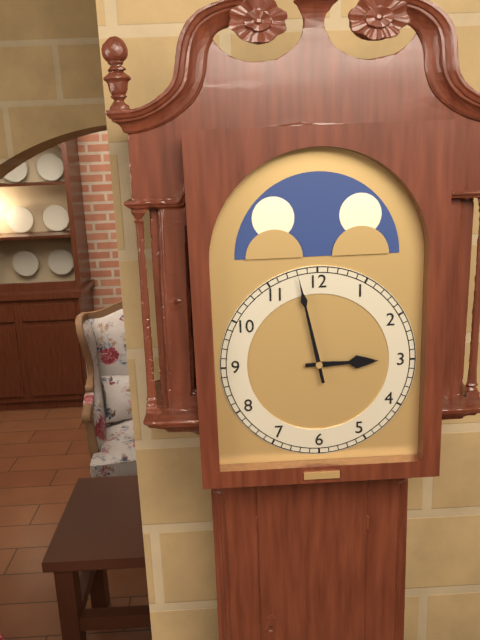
{"hour": 2, "minute": 58}
